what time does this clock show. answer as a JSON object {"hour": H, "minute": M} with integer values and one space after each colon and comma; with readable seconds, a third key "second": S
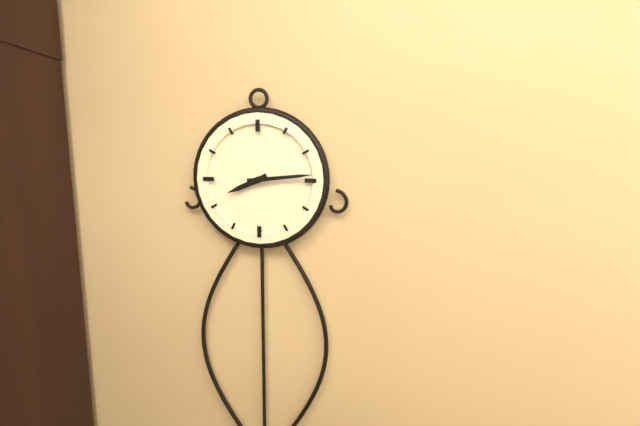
{"hour": 8, "minute": 14}
